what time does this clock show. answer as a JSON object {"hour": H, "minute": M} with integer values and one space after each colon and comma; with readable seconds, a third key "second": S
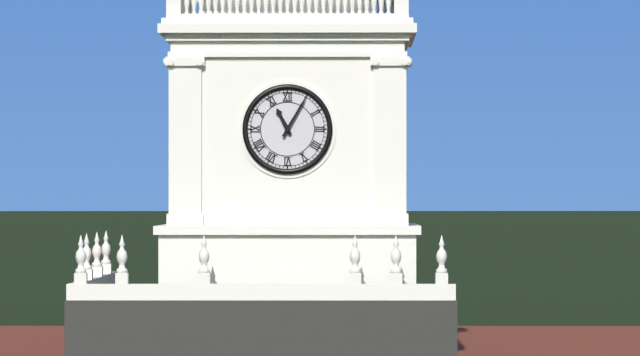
{"hour": 11, "minute": 5}
